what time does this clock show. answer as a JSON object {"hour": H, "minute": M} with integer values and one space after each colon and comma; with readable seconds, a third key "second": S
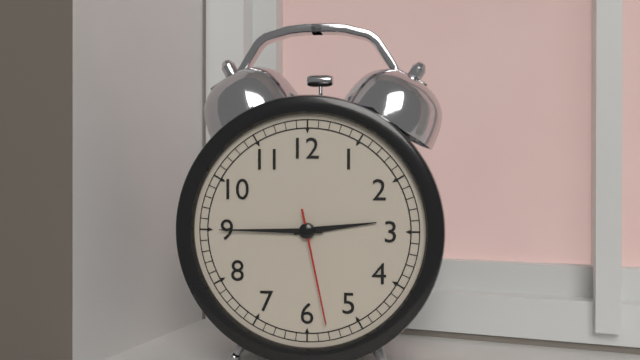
{"hour": 2, "minute": 45, "second": 28}
